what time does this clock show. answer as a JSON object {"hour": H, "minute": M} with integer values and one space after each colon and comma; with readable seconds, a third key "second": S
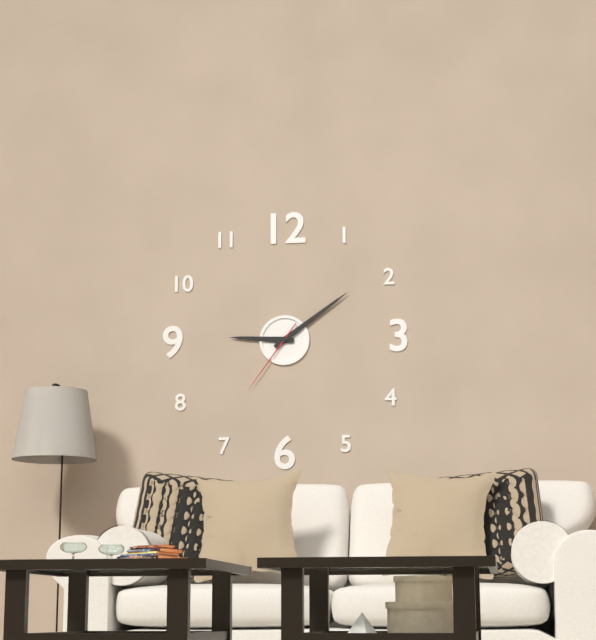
{"hour": 9, "minute": 9, "second": 36}
